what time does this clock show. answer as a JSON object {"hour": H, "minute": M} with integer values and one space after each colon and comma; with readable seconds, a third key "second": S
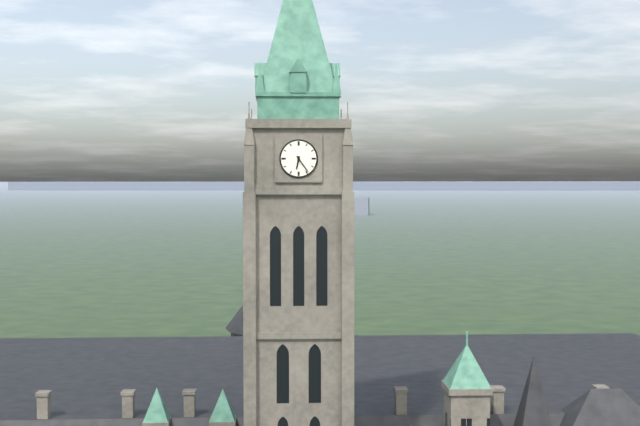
{"hour": 6, "minute": 24}
